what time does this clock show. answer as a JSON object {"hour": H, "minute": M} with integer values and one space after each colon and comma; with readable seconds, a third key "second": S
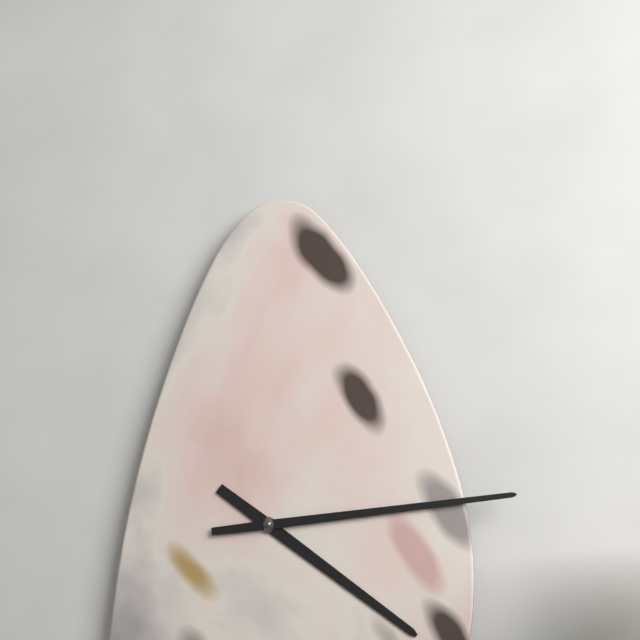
{"hour": 4, "minute": 14}
